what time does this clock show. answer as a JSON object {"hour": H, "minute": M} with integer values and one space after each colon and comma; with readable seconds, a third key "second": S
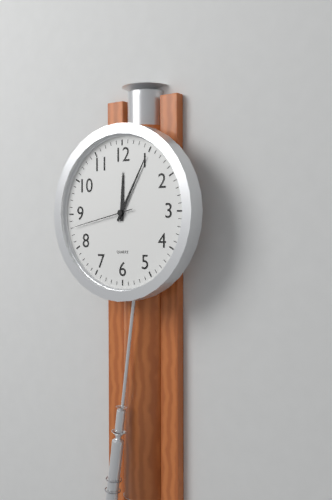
{"hour": 12, "minute": 5, "second": 43}
